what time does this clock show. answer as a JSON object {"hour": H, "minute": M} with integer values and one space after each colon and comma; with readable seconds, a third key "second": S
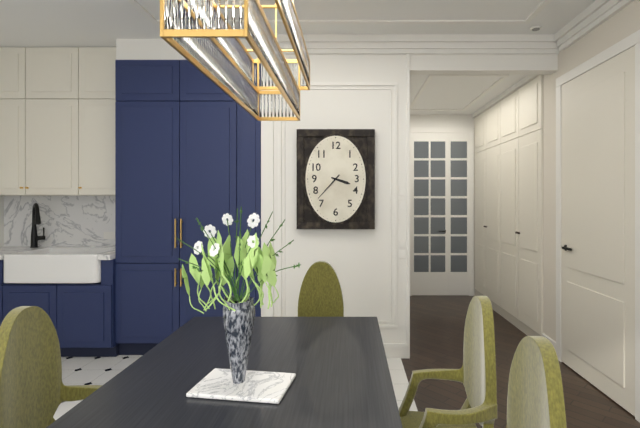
{"hour": 3, "minute": 37}
